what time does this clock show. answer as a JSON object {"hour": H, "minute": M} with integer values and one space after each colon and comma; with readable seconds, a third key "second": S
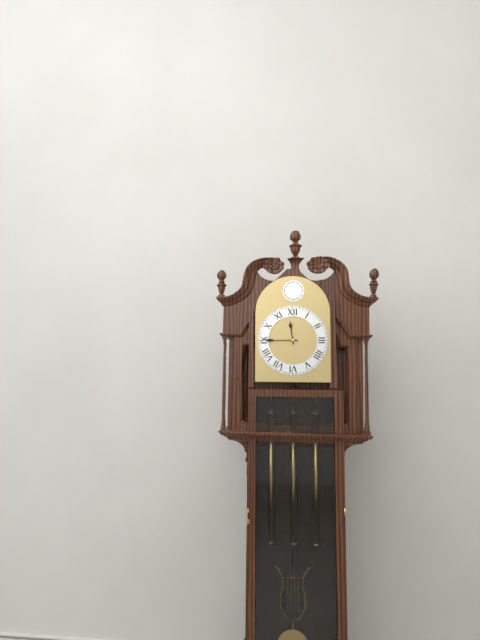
{"hour": 11, "minute": 45}
